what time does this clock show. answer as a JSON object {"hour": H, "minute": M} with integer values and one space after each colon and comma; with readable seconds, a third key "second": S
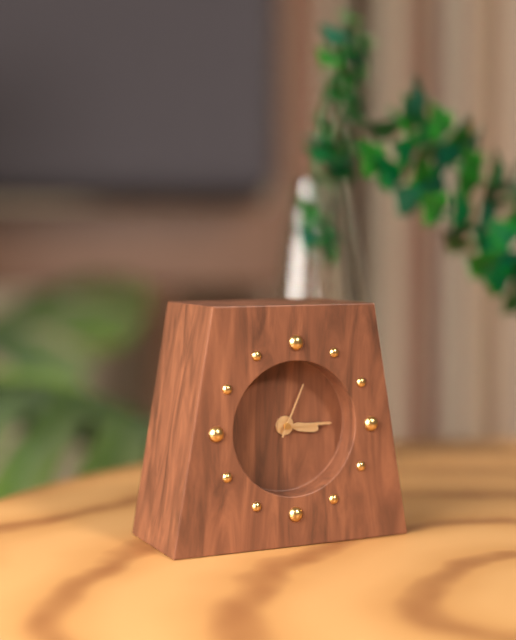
{"hour": 3, "minute": 15, "second": 4}
